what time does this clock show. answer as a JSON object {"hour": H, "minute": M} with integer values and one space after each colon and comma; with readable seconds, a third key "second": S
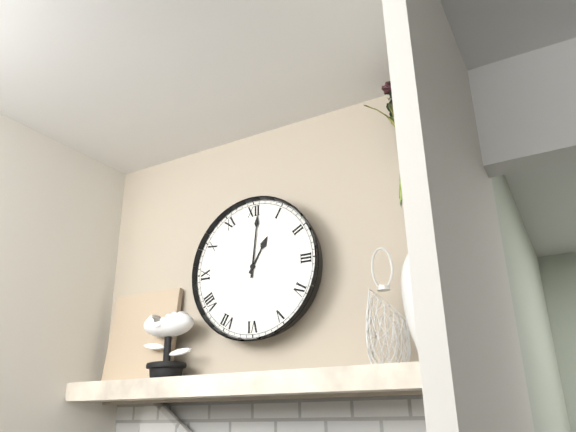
{"hour": 1, "minute": 1}
